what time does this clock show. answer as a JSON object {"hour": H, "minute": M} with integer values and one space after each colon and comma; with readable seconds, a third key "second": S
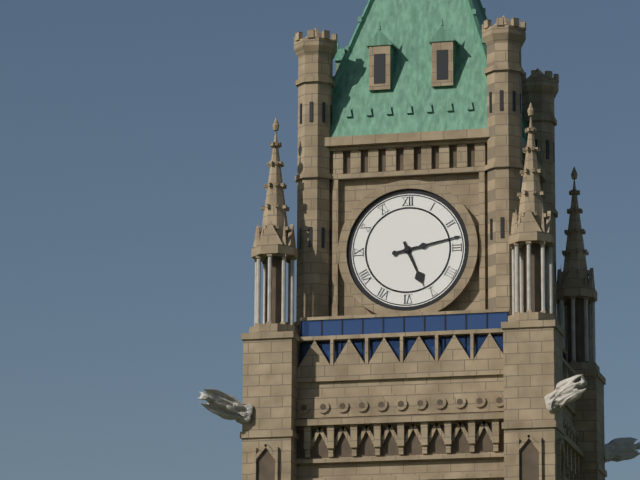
{"hour": 5, "minute": 13}
